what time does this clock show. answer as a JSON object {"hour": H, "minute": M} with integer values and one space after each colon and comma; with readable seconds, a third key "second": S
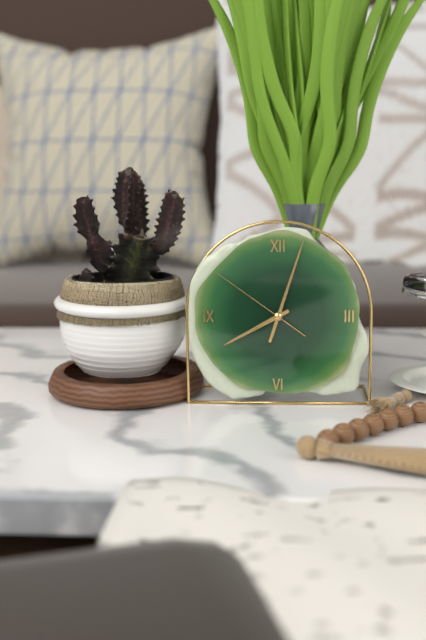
{"hour": 8, "minute": 3, "second": 51}
